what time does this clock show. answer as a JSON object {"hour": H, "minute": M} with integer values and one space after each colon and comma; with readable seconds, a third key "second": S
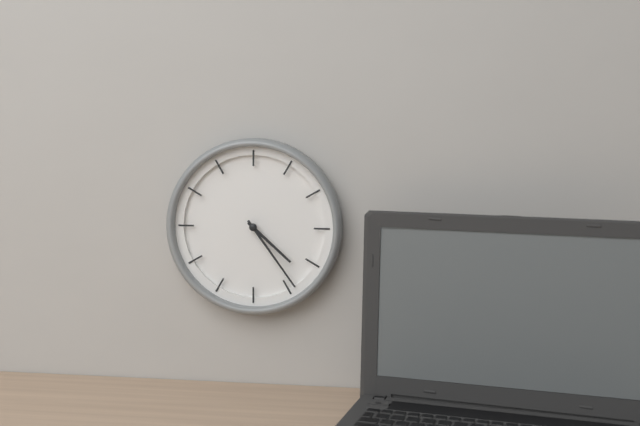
{"hour": 4, "minute": 24}
